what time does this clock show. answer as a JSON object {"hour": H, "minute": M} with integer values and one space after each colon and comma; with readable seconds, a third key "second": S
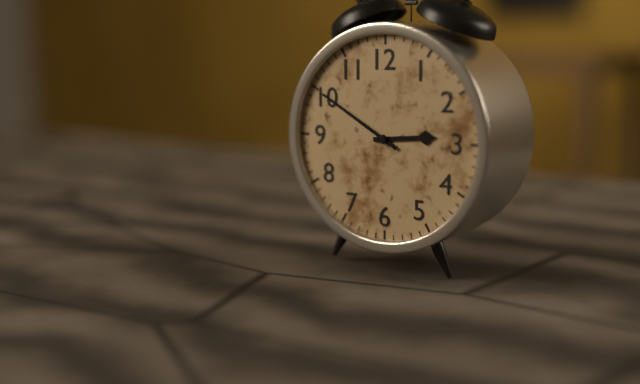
{"hour": 2, "minute": 50}
